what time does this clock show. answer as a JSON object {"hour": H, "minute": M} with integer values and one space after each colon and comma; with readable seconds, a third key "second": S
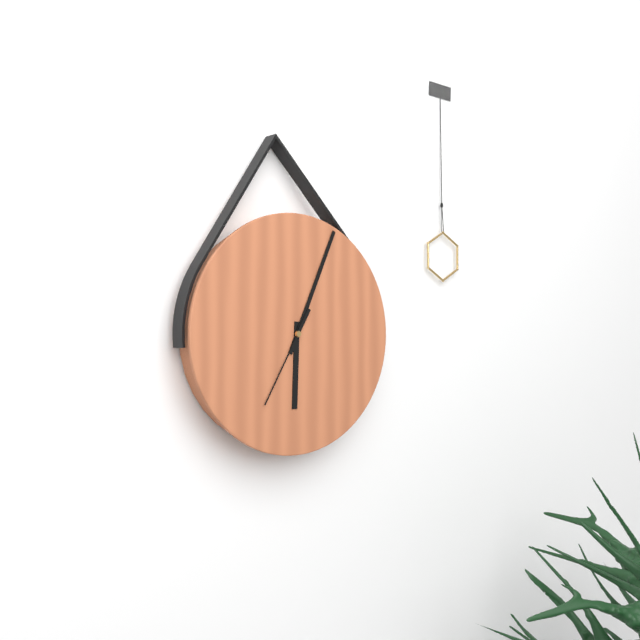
{"hour": 6, "minute": 4, "second": 35}
